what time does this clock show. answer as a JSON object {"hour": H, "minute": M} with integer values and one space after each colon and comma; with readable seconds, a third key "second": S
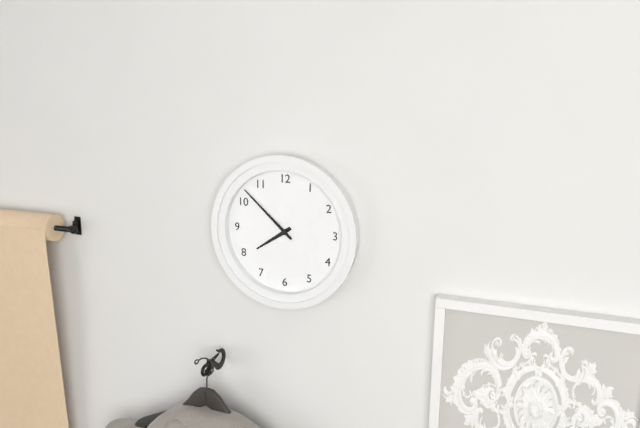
{"hour": 7, "minute": 52}
